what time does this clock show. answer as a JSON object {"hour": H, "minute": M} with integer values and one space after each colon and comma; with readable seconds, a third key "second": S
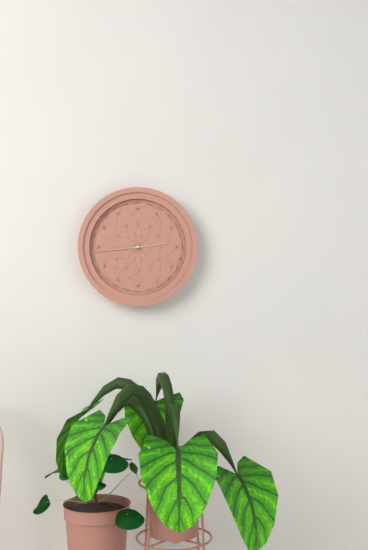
{"hour": 2, "minute": 44}
